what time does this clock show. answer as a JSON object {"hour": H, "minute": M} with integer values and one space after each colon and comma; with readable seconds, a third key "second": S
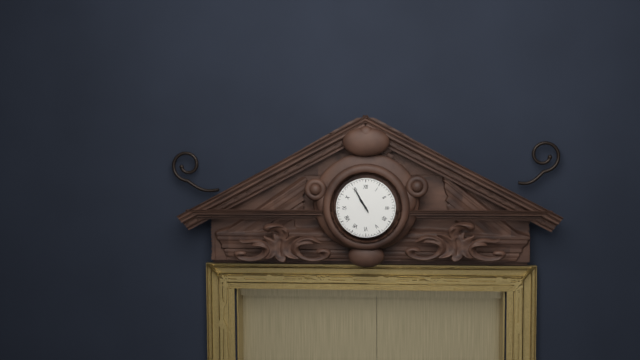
{"hour": 10, "minute": 55}
